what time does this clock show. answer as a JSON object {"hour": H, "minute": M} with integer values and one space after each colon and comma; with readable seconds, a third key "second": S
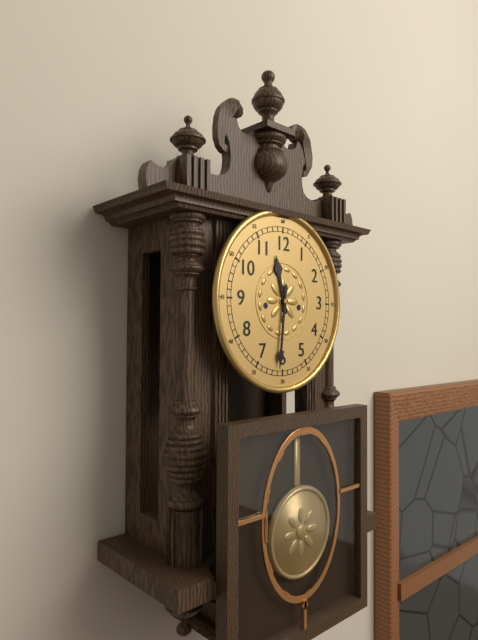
{"hour": 11, "minute": 31}
